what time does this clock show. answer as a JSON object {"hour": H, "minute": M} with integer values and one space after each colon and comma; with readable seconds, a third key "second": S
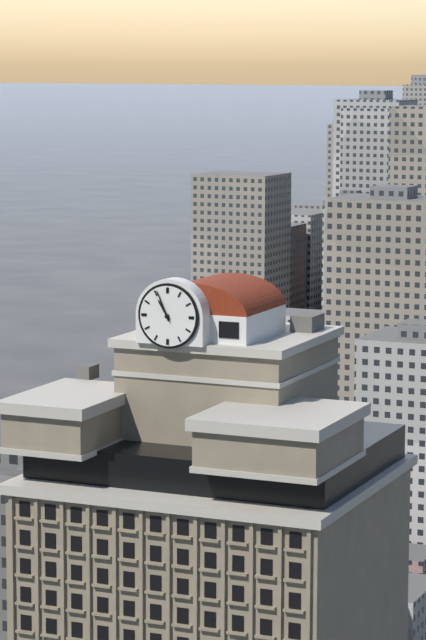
{"hour": 10, "minute": 56}
